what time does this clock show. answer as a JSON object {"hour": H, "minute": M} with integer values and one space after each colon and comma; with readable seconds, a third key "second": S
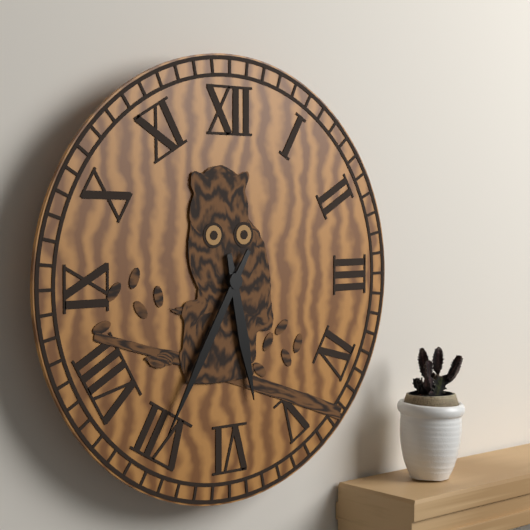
{"hour": 5, "minute": 35}
